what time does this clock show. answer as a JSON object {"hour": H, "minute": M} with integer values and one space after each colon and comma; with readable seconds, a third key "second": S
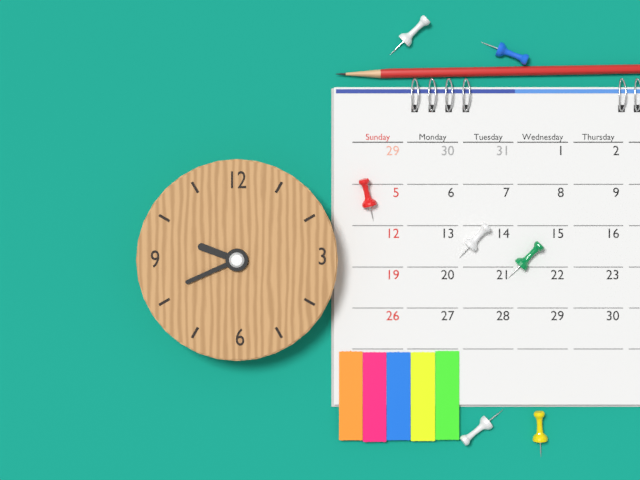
{"hour": 9, "minute": 41}
